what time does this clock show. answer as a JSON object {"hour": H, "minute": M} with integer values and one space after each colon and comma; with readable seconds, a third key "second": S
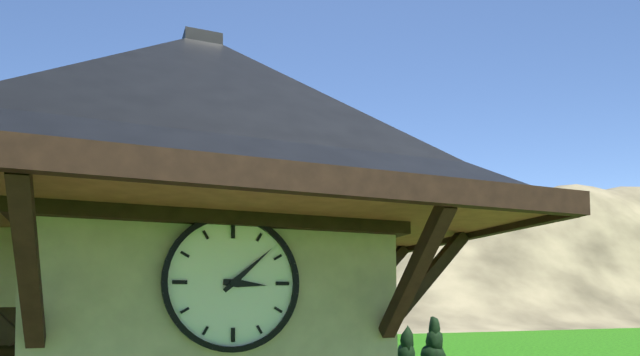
{"hour": 3, "minute": 8}
